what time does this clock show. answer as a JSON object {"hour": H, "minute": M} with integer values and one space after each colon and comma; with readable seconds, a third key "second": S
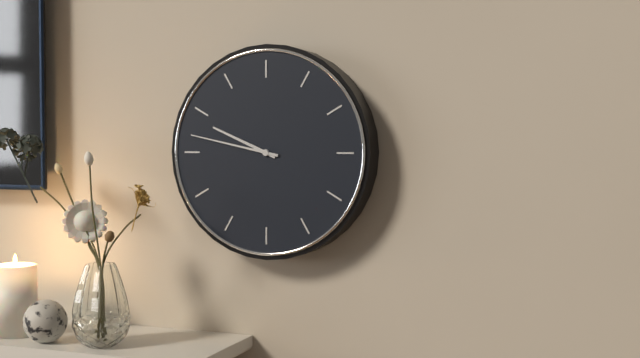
{"hour": 9, "minute": 47}
